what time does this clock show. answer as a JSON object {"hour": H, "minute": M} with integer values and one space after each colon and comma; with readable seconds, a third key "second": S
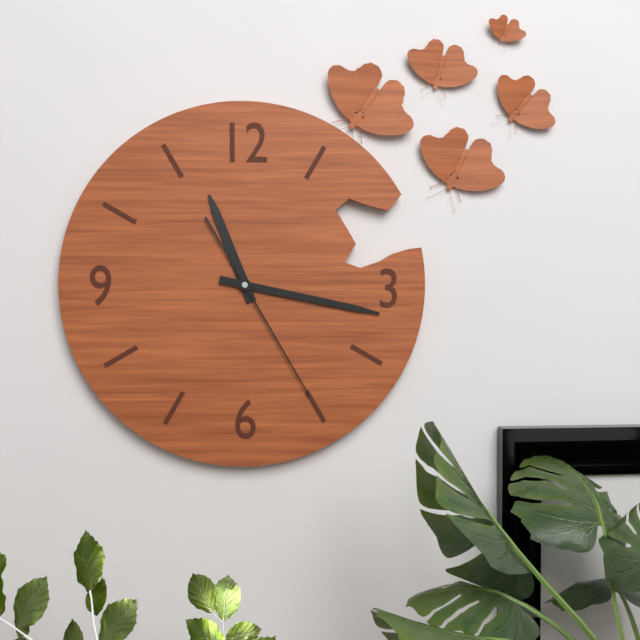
{"hour": 11, "minute": 17, "second": 25}
